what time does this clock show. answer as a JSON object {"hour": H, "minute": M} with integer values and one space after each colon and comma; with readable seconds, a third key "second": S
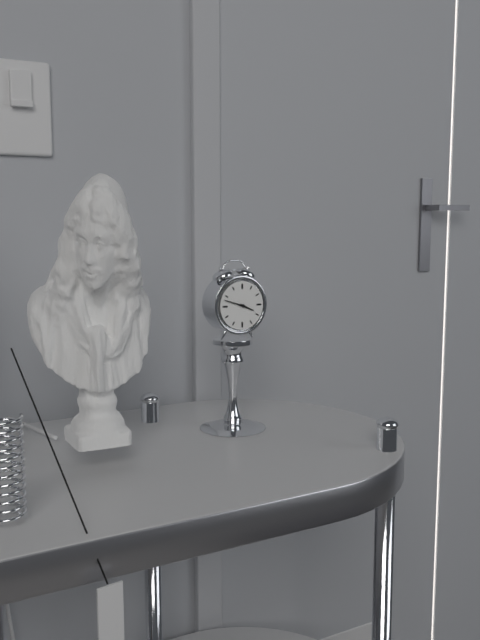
{"hour": 3, "minute": 48}
